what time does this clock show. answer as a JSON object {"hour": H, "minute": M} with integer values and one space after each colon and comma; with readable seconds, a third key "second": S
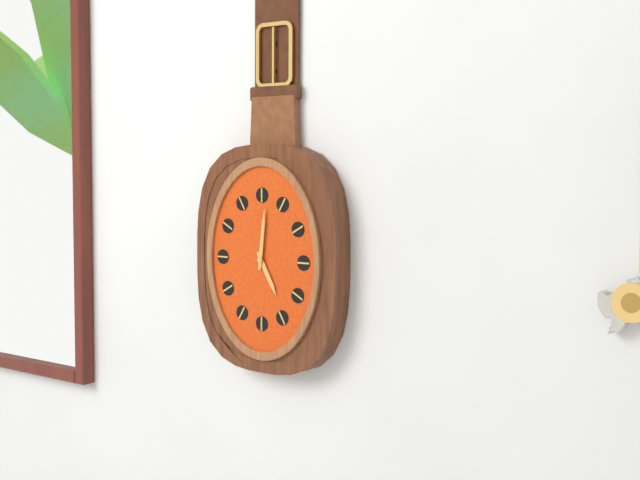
{"hour": 5, "minute": 1}
